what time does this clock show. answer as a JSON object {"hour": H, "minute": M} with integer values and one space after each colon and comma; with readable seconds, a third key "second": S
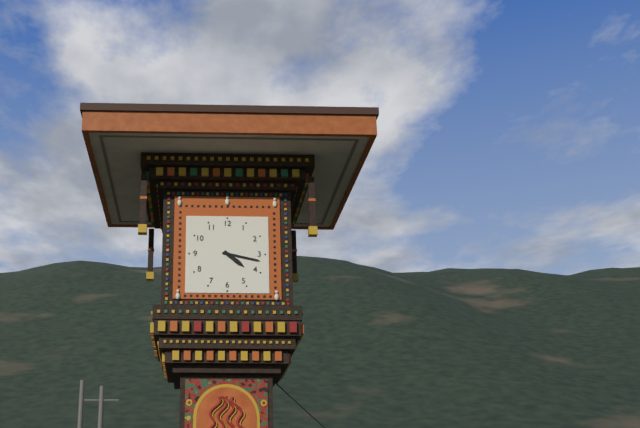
{"hour": 4, "minute": 17}
